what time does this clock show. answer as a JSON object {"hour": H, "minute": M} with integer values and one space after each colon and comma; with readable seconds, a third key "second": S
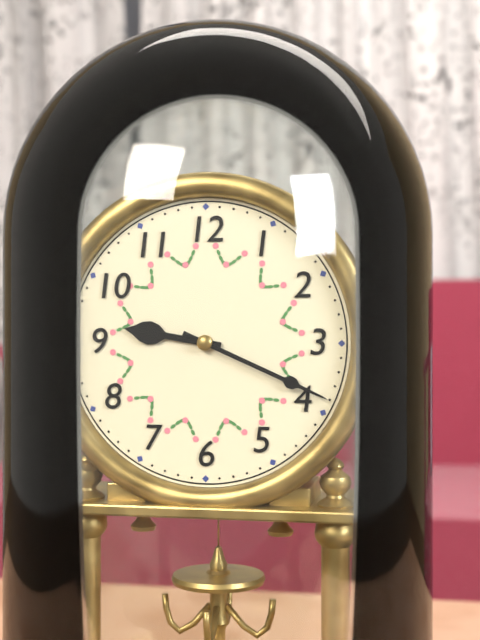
{"hour": 9, "minute": 19}
